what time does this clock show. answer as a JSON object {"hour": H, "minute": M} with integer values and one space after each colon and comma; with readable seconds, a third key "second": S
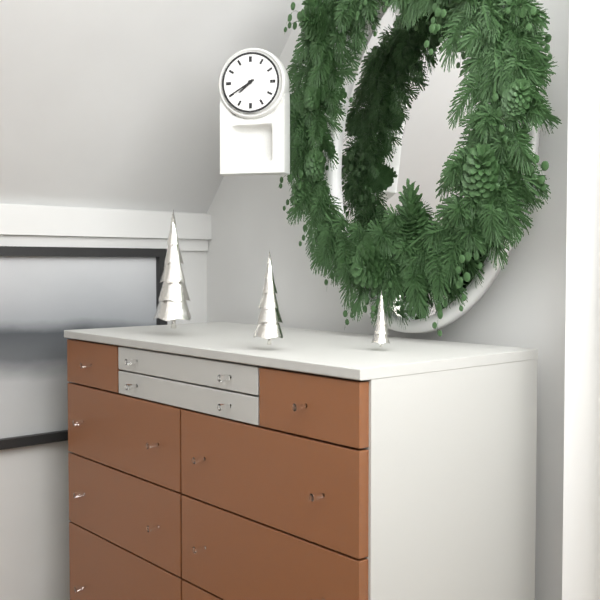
{"hour": 7, "minute": 40}
